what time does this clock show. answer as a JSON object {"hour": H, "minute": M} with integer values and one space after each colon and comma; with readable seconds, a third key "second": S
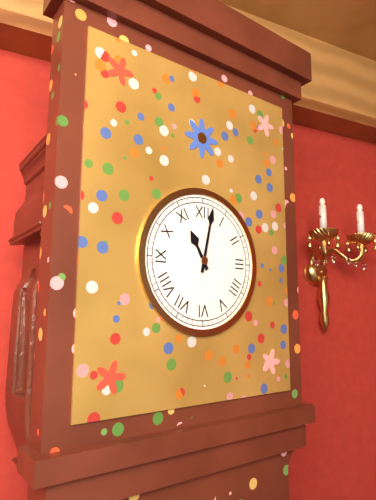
{"hour": 11, "minute": 2}
